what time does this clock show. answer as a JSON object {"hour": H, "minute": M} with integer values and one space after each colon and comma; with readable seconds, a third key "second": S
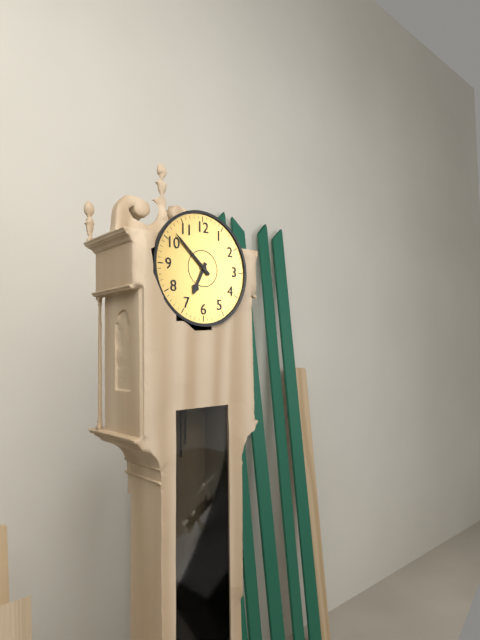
{"hour": 6, "minute": 52}
